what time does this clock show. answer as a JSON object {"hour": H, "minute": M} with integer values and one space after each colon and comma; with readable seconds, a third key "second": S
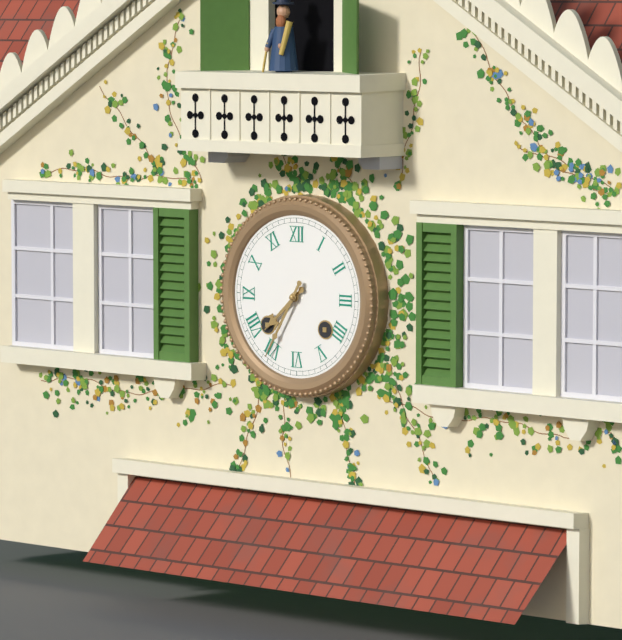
{"hour": 7, "minute": 35}
